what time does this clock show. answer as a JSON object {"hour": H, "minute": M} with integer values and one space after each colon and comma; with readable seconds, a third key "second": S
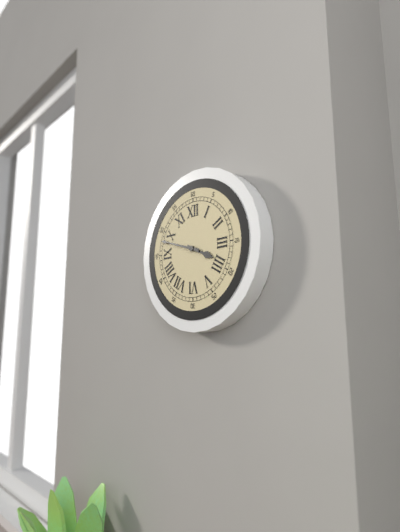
{"hour": 3, "minute": 48}
